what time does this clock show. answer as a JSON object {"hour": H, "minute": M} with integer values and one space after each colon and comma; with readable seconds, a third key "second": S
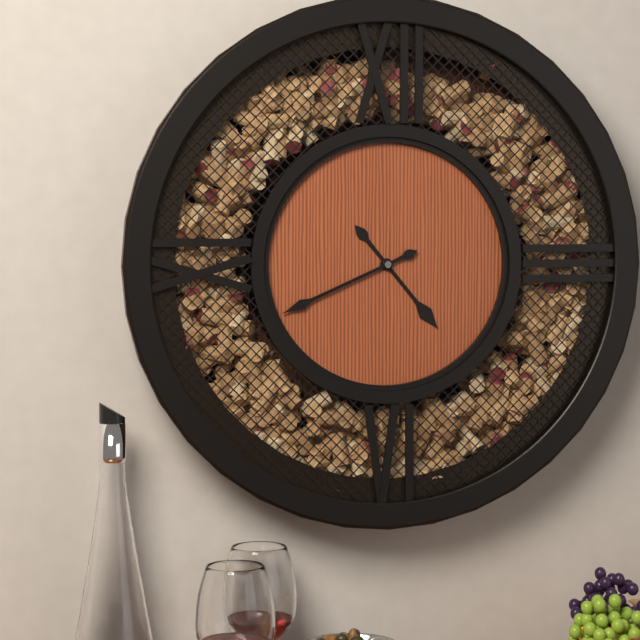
{"hour": 4, "minute": 41}
